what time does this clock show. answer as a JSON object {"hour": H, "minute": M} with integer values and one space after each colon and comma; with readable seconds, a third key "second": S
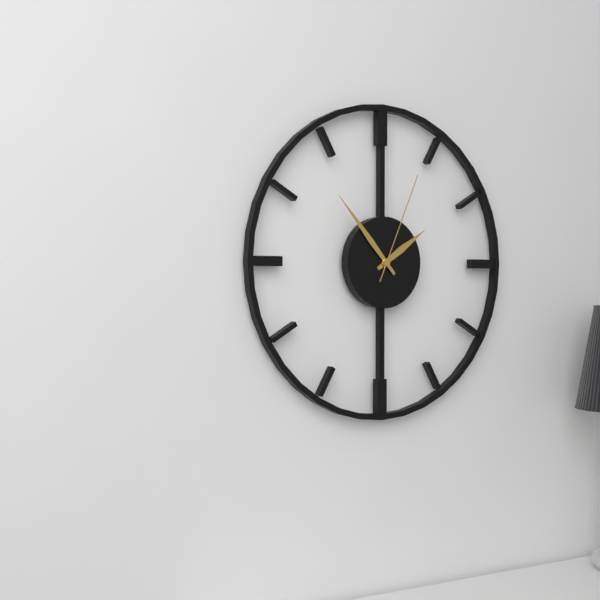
{"hour": 1, "minute": 53, "second": 4}
